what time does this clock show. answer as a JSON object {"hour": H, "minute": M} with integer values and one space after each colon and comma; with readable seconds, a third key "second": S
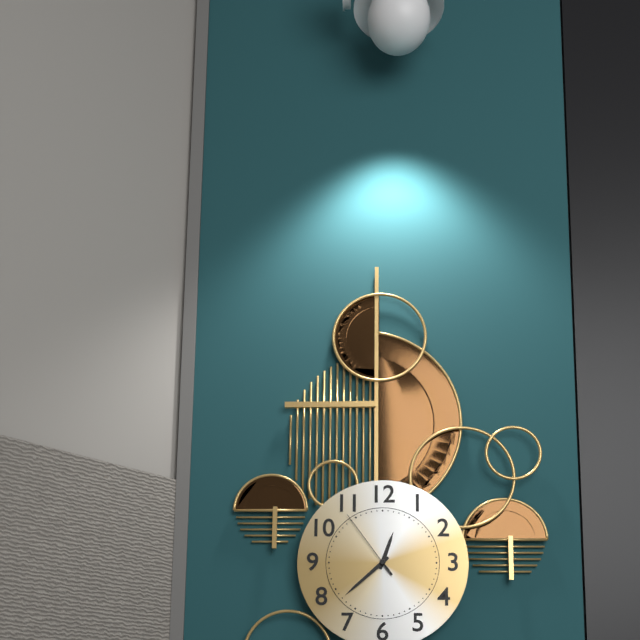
{"hour": 12, "minute": 38, "second": 54}
